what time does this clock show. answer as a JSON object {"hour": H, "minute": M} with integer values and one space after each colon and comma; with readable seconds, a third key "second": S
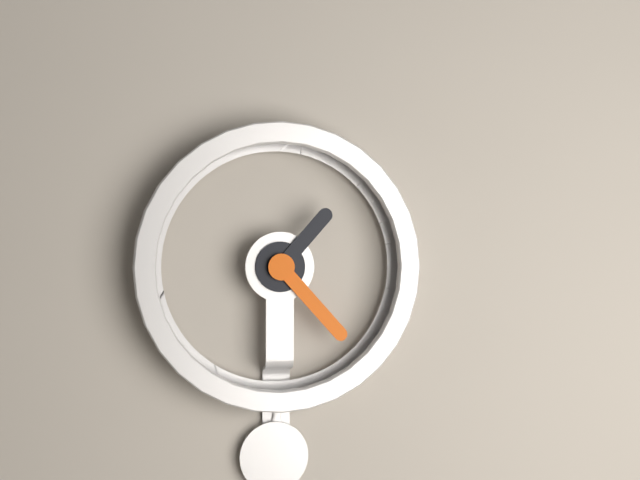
{"hour": 1, "minute": 23}
